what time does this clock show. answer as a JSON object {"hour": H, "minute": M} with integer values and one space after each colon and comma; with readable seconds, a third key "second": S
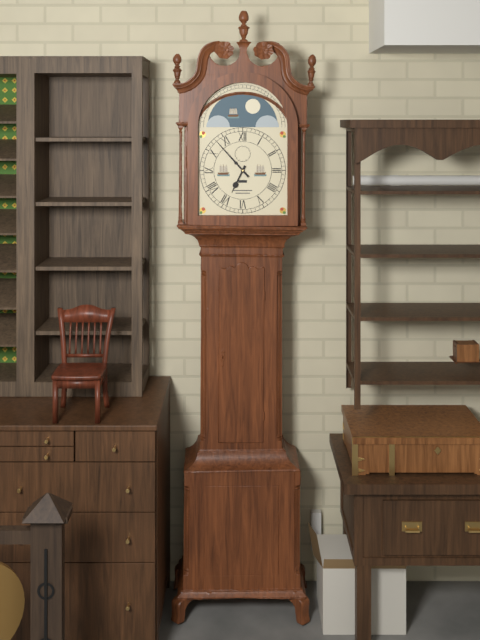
{"hour": 6, "minute": 53}
